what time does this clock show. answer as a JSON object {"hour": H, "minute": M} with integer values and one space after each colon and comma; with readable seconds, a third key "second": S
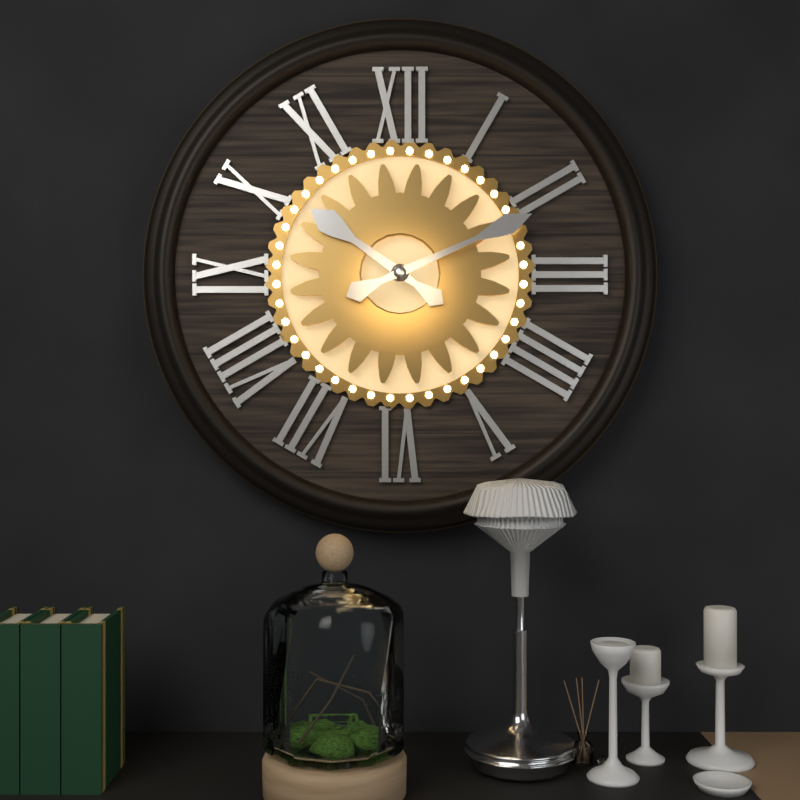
{"hour": 10, "minute": 11}
